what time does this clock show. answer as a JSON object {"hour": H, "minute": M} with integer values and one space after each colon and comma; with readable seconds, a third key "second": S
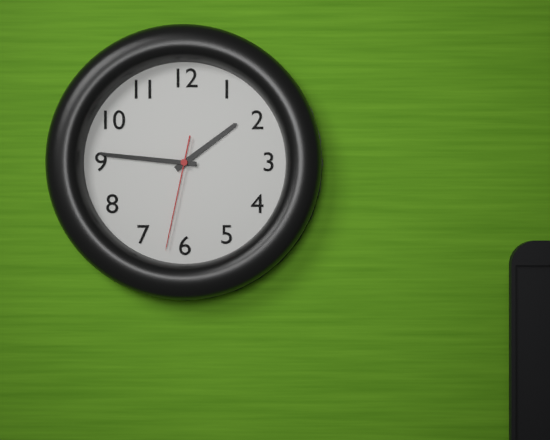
{"hour": 1, "minute": 46, "second": 32}
